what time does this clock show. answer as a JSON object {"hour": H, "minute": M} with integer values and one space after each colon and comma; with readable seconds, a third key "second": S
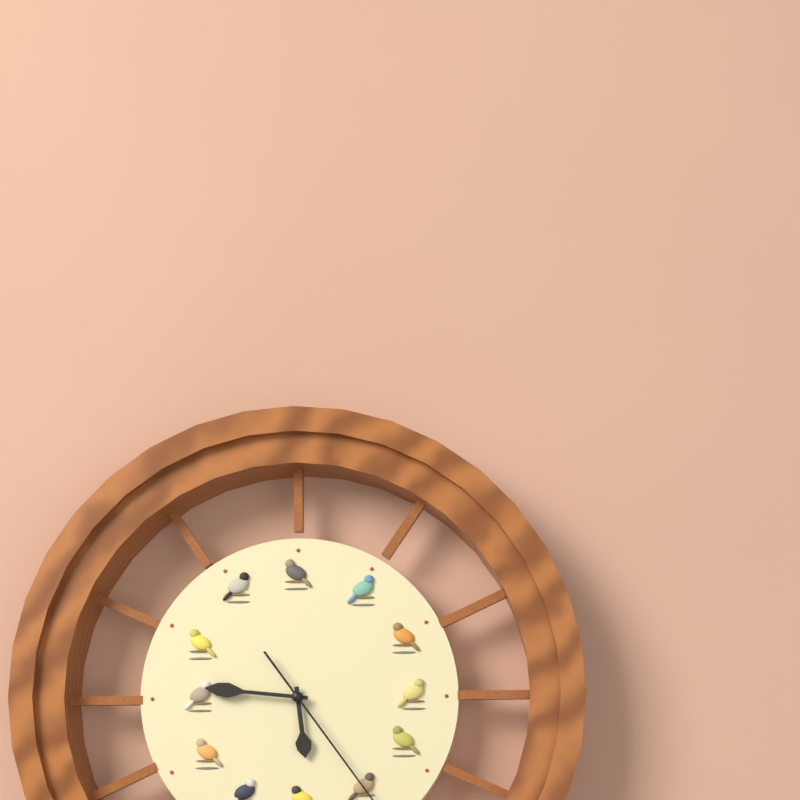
{"hour": 5, "minute": 46}
